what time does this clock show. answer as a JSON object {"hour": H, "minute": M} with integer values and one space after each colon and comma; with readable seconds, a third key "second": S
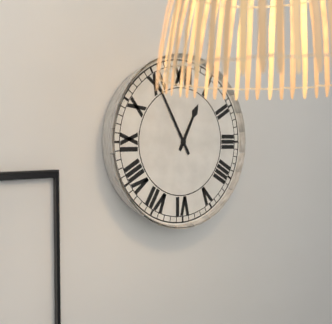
{"hour": 12, "minute": 55}
